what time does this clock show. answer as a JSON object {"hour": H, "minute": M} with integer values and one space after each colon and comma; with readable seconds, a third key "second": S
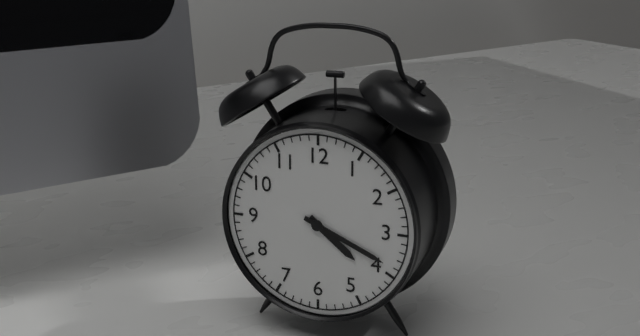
{"hour": 4, "minute": 19}
